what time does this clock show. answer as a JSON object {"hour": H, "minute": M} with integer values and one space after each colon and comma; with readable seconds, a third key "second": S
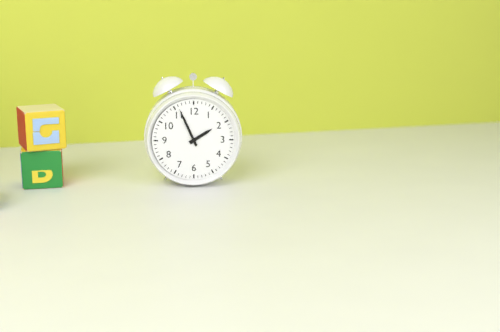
{"hour": 1, "minute": 56}
